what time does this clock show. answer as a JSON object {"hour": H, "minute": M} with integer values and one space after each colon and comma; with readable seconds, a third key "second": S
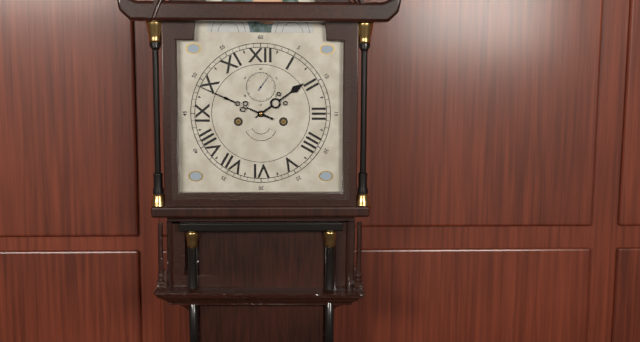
{"hour": 1, "minute": 49}
